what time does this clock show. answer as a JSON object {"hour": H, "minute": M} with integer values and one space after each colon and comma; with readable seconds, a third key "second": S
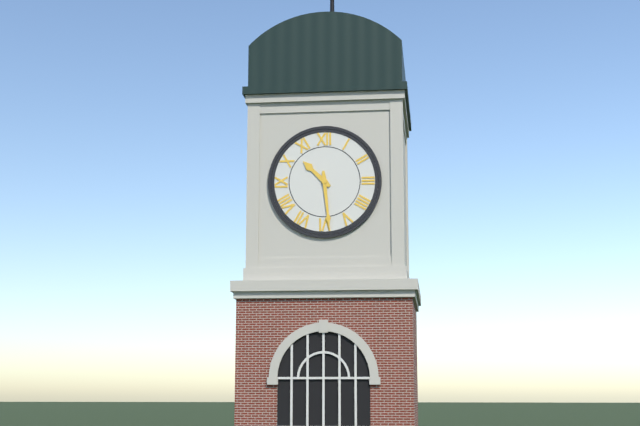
{"hour": 10, "minute": 29}
